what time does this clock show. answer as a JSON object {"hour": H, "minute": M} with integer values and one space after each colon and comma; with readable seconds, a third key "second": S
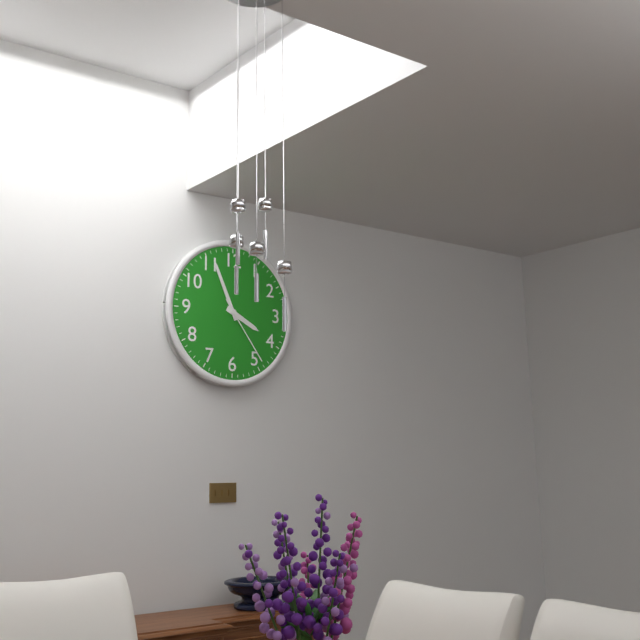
{"hour": 3, "minute": 56, "second": 24}
